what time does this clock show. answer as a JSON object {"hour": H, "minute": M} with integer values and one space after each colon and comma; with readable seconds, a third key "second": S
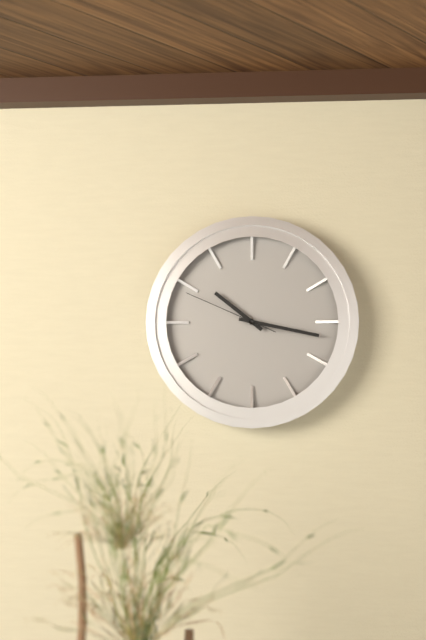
{"hour": 10, "minute": 17, "second": 49}
